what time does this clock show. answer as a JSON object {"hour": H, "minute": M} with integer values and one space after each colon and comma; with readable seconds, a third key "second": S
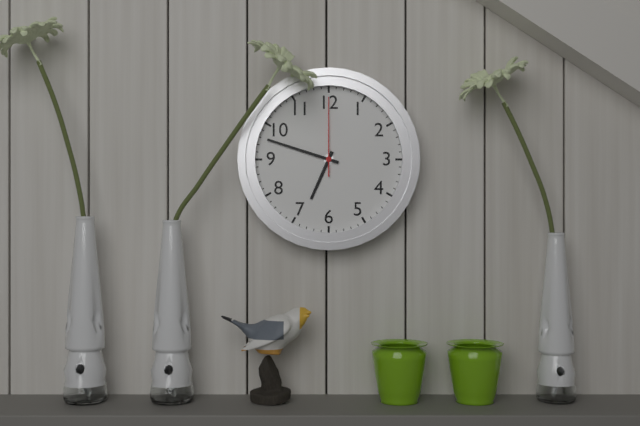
{"hour": 6, "minute": 48, "second": 0}
